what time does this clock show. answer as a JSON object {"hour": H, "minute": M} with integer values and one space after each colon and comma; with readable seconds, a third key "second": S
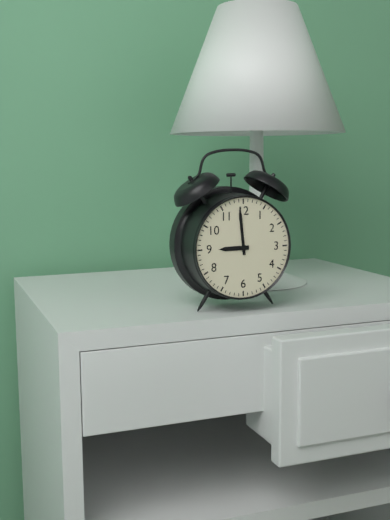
{"hour": 8, "minute": 59}
